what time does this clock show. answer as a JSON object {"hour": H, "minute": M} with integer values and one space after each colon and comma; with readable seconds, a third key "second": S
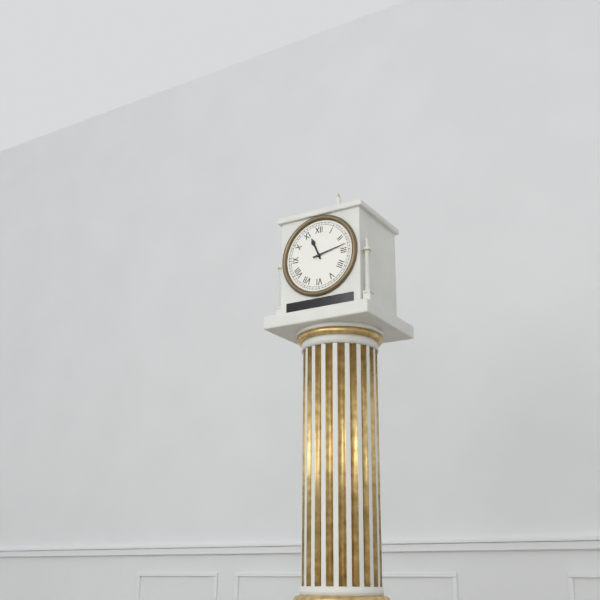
{"hour": 11, "minute": 13}
